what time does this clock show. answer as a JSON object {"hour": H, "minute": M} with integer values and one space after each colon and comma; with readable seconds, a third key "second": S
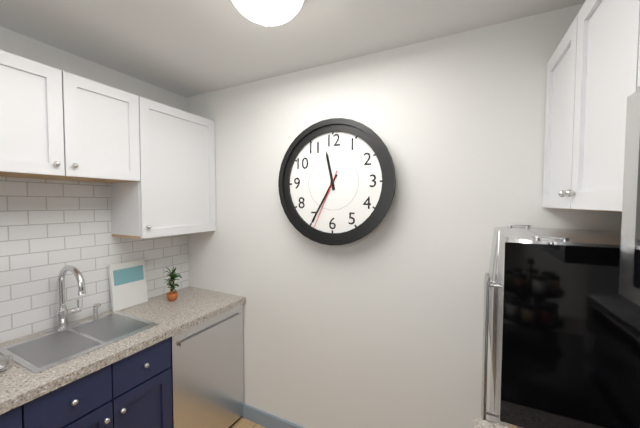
{"hour": 11, "minute": 35, "second": 34}
